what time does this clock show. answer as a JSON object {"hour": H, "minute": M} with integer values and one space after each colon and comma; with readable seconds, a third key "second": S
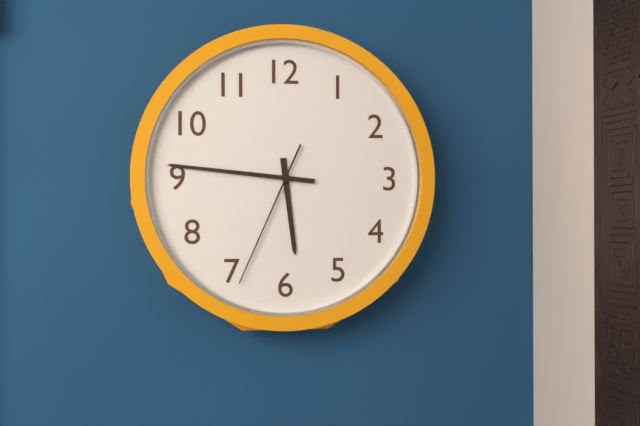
{"hour": 5, "minute": 46, "second": 34}
